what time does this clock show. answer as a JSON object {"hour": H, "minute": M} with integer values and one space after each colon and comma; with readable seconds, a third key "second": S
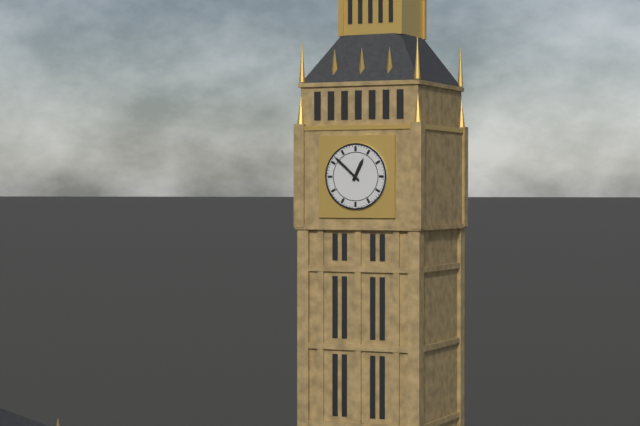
{"hour": 12, "minute": 52}
